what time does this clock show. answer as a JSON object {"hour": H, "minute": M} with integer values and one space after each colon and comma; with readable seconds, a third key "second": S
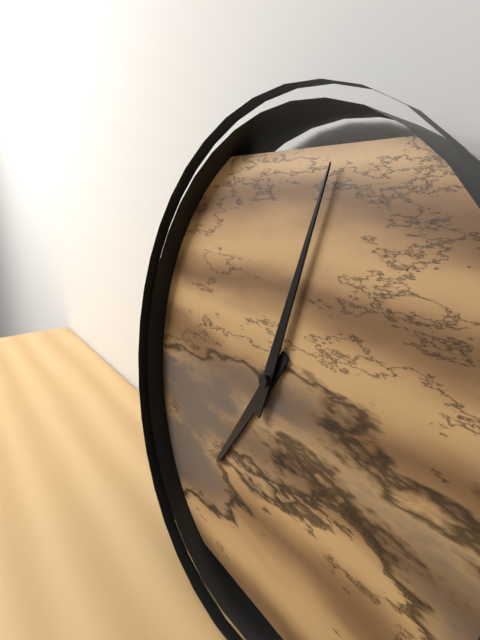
{"hour": 7, "minute": 2}
